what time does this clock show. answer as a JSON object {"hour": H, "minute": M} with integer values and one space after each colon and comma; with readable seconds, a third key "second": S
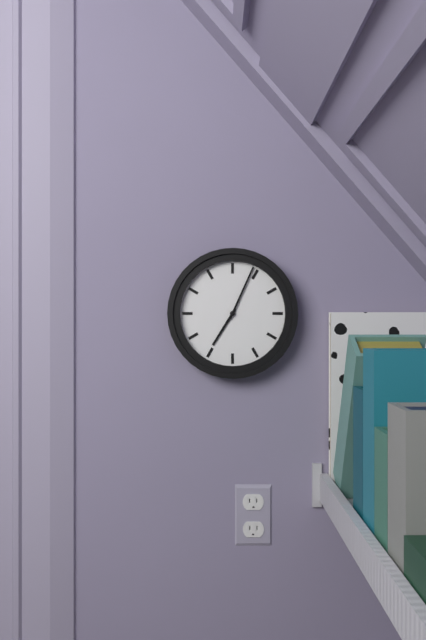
{"hour": 7, "minute": 4}
